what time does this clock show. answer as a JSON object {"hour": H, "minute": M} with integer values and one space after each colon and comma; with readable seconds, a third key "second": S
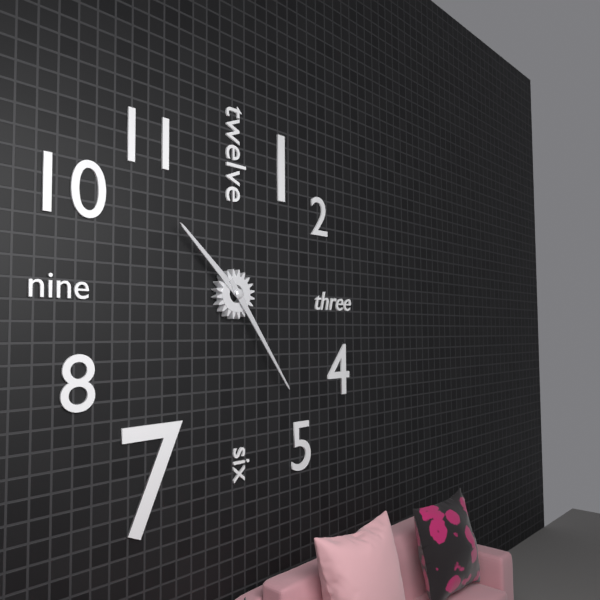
{"hour": 10, "minute": 24}
